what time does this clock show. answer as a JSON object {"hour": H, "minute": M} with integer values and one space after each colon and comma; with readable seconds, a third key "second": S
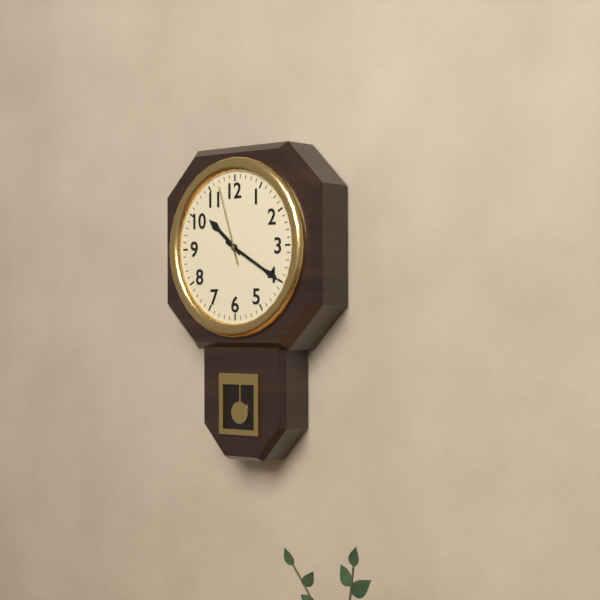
{"hour": 10, "minute": 20, "second": 57}
